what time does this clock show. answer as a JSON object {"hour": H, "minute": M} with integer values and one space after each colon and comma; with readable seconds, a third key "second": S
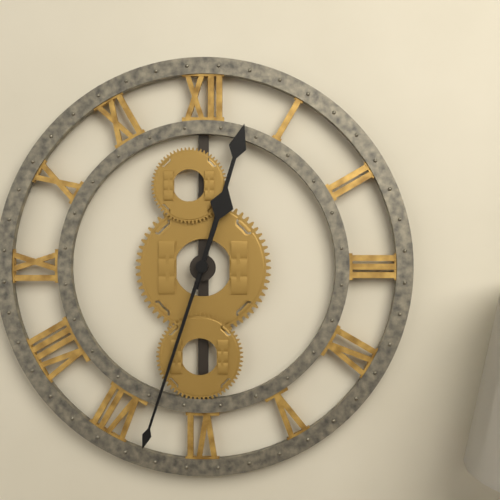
{"hour": 12, "minute": 33}
